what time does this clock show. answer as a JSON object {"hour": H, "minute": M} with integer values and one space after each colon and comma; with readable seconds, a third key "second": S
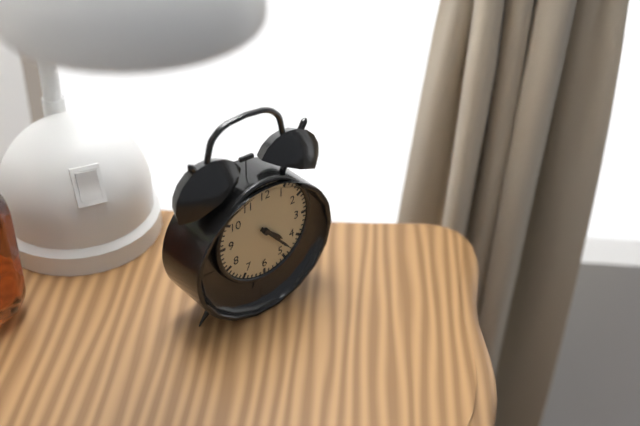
{"hour": 4, "minute": 23}
